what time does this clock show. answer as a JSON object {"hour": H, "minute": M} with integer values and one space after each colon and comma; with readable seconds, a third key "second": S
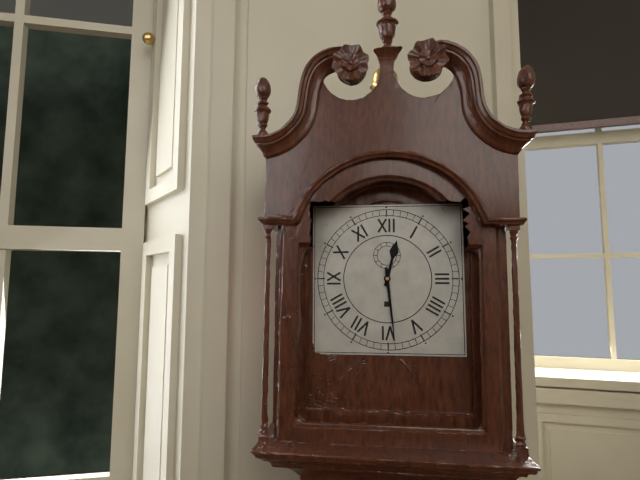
{"hour": 12, "minute": 29}
